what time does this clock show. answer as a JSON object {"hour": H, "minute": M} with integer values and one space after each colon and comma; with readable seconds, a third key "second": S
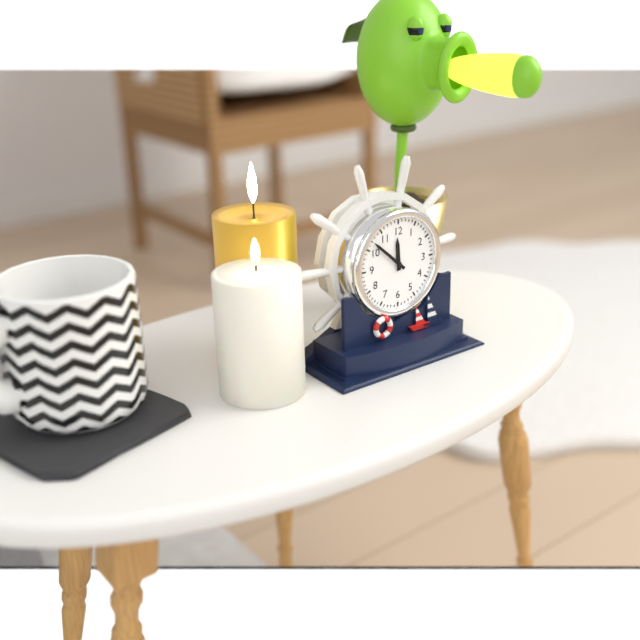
{"hour": 11, "minute": 52}
